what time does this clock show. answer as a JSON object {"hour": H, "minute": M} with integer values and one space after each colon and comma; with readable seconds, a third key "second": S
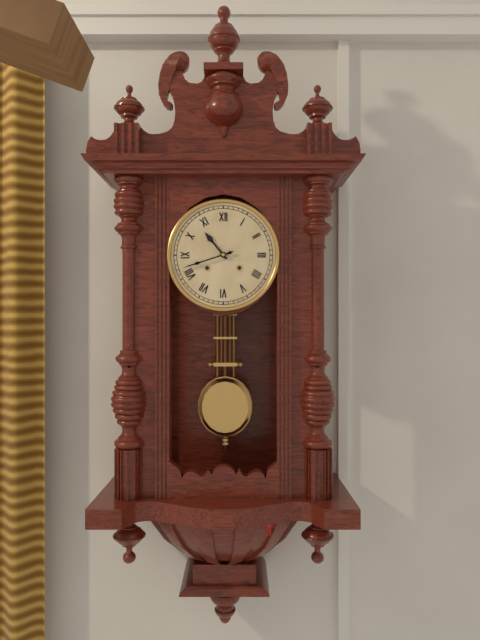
{"hour": 10, "minute": 42}
